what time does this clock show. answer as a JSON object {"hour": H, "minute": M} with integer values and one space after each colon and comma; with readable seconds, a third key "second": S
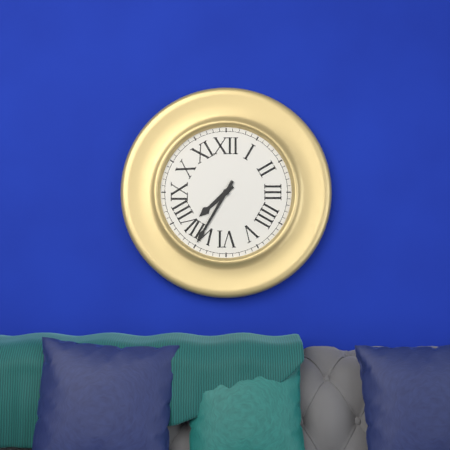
{"hour": 7, "minute": 35}
